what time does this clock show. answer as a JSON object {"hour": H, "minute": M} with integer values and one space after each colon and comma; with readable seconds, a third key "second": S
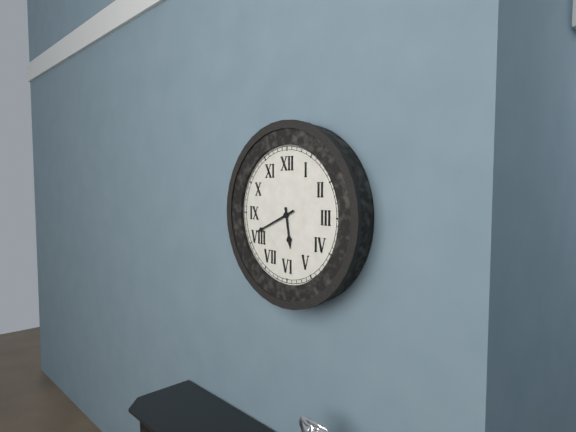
{"hour": 5, "minute": 41}
